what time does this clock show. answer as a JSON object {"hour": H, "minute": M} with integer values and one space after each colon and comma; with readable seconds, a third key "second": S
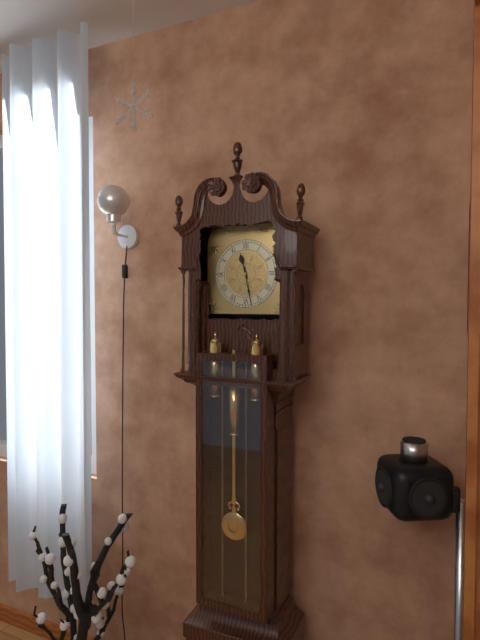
{"hour": 11, "minute": 28}
